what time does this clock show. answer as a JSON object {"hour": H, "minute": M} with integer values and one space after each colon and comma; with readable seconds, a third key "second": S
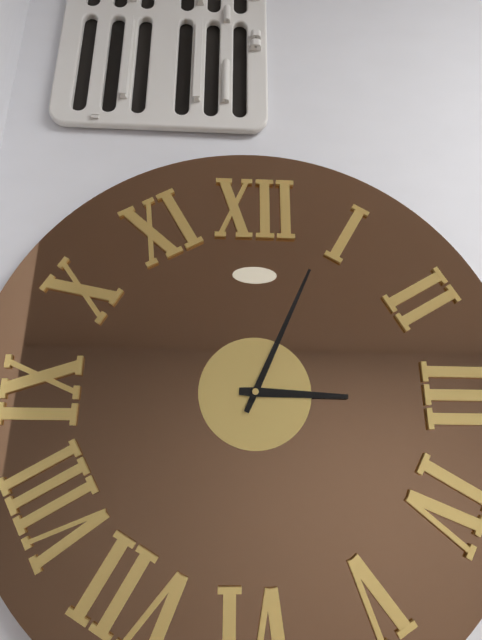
{"hour": 3, "minute": 4}
